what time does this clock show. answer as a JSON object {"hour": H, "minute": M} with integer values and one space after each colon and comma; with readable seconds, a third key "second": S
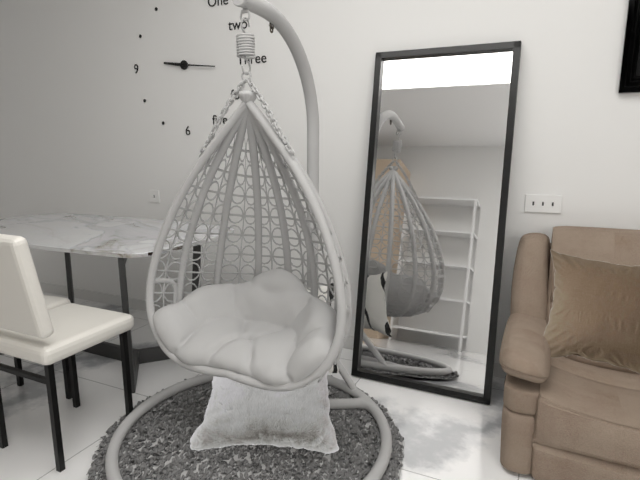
{"hour": 9, "minute": 16}
